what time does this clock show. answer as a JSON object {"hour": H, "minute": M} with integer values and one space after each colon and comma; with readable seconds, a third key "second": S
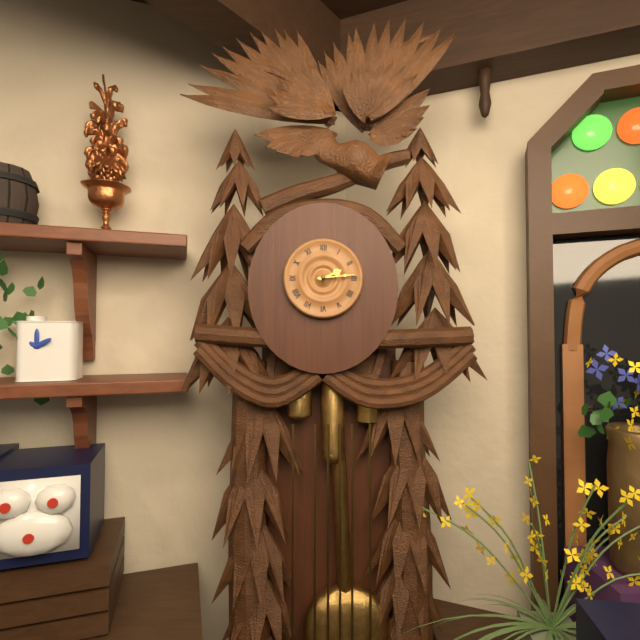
{"hour": 2, "minute": 14}
